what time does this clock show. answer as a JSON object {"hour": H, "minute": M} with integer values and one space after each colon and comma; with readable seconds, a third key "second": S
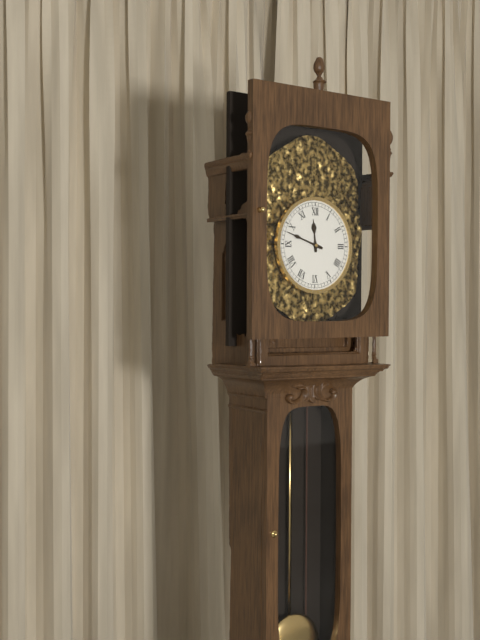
{"hour": 11, "minute": 48}
